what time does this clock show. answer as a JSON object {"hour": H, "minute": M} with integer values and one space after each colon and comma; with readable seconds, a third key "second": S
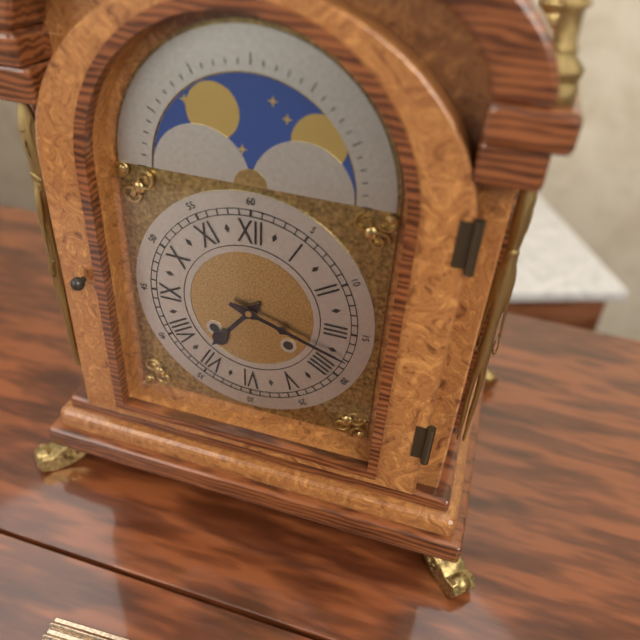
{"hour": 7, "minute": 18}
